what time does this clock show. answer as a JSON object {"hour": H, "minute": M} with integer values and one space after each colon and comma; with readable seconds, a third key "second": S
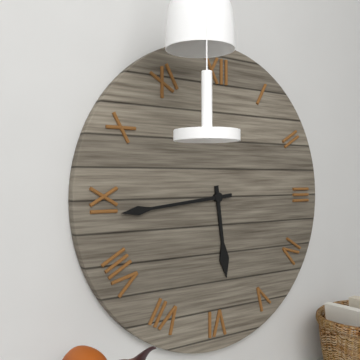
{"hour": 5, "minute": 44}
